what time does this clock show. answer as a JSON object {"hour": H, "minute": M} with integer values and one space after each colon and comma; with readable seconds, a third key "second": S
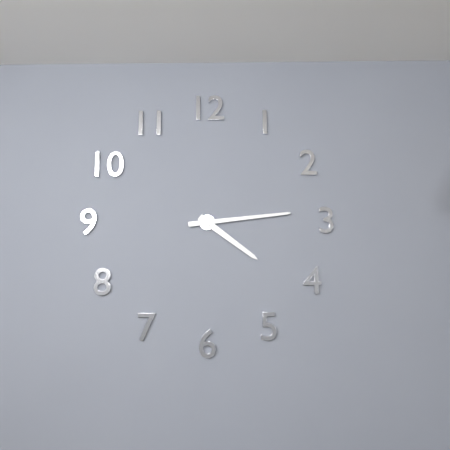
{"hour": 4, "minute": 14}
